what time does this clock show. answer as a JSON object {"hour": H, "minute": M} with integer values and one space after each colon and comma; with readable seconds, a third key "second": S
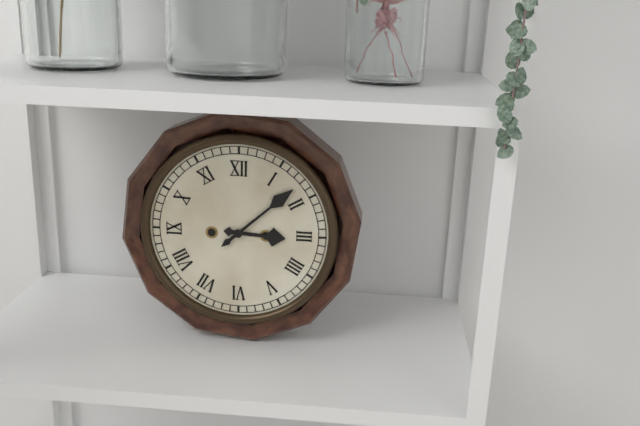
{"hour": 3, "minute": 8}
